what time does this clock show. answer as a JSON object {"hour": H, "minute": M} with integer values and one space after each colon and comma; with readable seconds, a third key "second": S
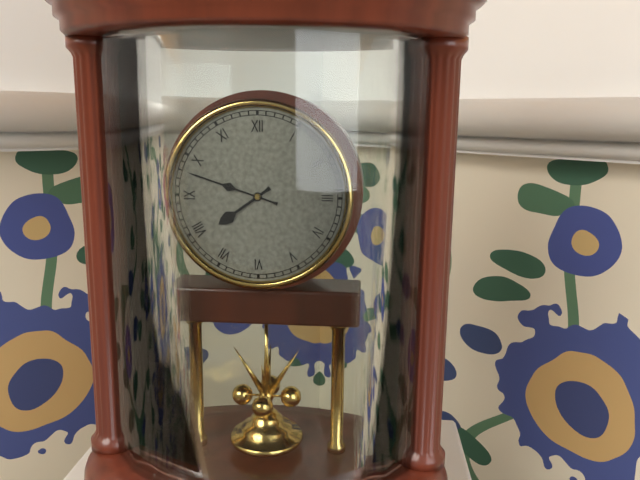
{"hour": 7, "minute": 48}
